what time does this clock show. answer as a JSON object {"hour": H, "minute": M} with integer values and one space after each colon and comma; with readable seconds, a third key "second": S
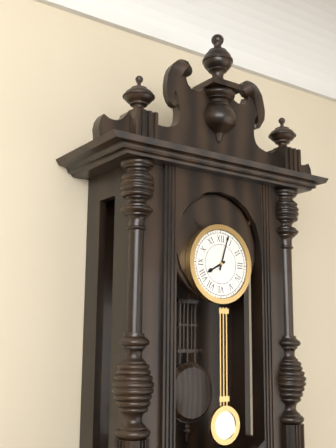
{"hour": 8, "minute": 3}
